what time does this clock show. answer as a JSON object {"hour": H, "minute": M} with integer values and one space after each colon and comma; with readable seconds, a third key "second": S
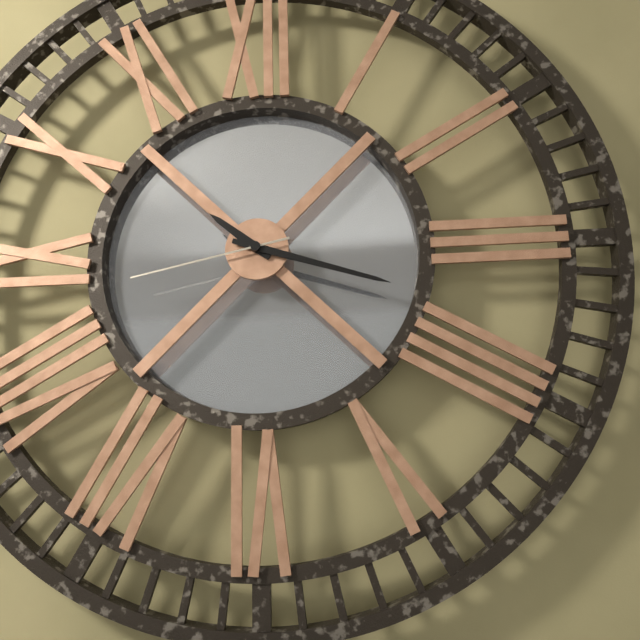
{"hour": 10, "minute": 18, "second": 43}
